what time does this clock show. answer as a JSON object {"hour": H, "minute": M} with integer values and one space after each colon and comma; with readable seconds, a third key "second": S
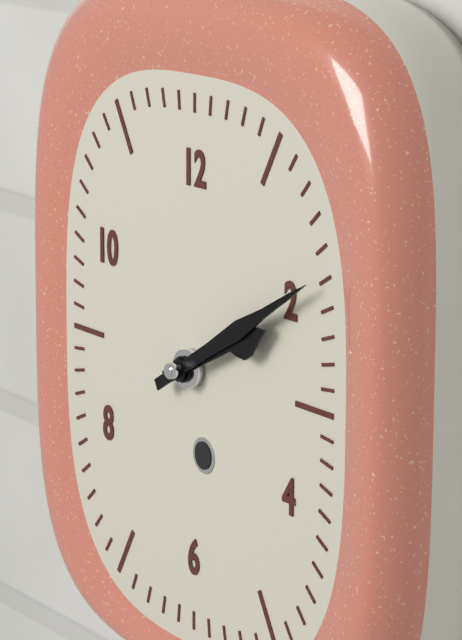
{"hour": 2, "minute": 10}
